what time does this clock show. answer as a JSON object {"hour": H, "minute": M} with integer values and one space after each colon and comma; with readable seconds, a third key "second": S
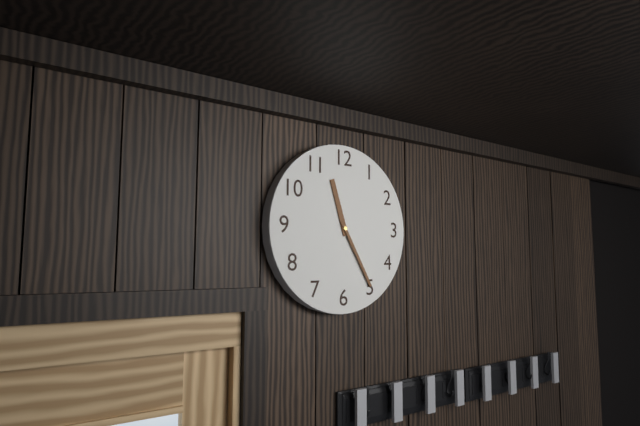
{"hour": 11, "minute": 25}
